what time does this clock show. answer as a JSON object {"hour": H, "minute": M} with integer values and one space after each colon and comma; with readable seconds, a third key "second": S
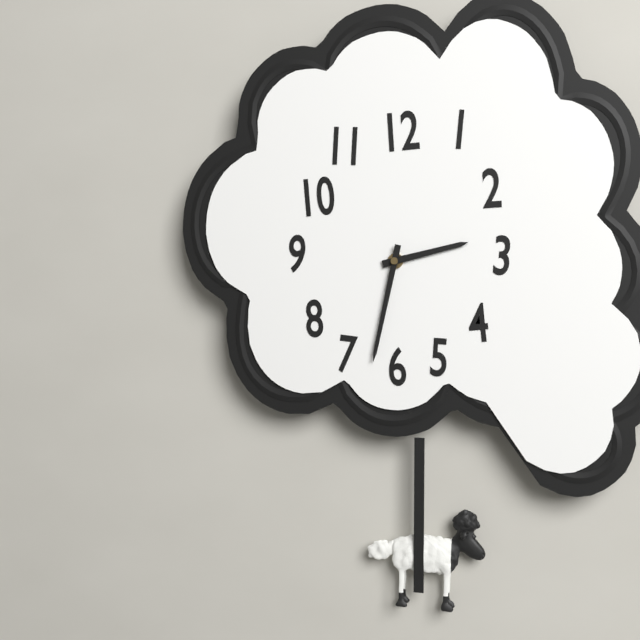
{"hour": 2, "minute": 32}
